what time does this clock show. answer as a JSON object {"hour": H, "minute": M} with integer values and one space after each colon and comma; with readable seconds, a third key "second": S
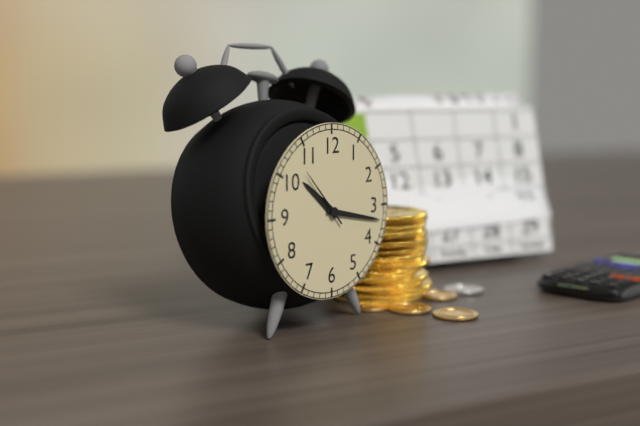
{"hour": 10, "minute": 17, "second": 53}
